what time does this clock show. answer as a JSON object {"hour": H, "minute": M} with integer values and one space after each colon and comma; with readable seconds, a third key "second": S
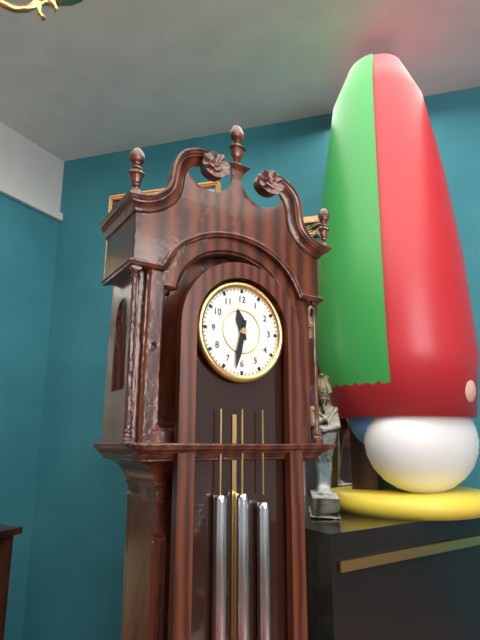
{"hour": 11, "minute": 32}
